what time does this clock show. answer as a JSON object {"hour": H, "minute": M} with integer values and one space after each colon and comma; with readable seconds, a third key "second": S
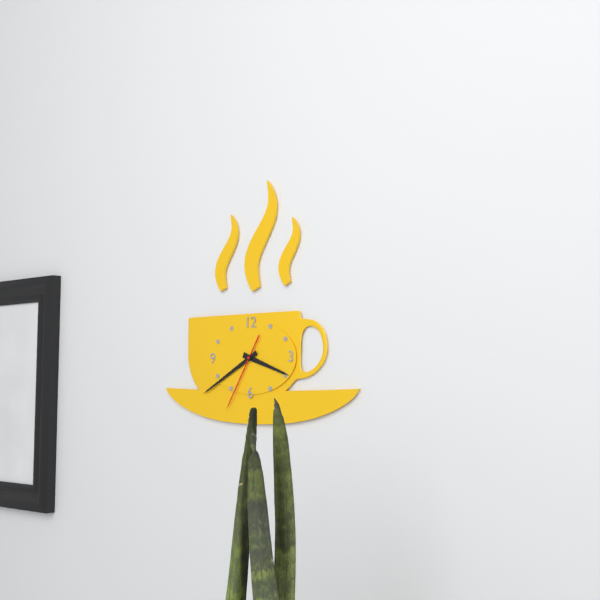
{"hour": 3, "minute": 40, "second": 35}
